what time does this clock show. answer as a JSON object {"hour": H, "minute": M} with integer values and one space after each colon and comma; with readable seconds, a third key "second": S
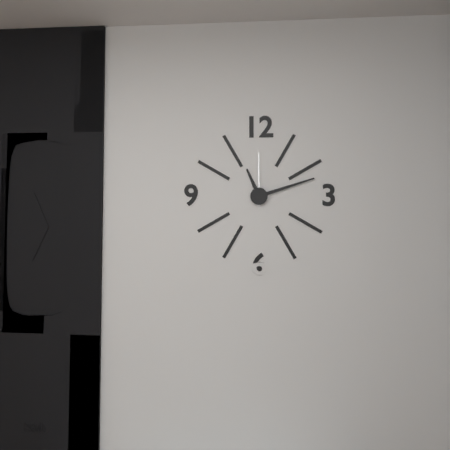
{"hour": 11, "minute": 12, "second": 0}
